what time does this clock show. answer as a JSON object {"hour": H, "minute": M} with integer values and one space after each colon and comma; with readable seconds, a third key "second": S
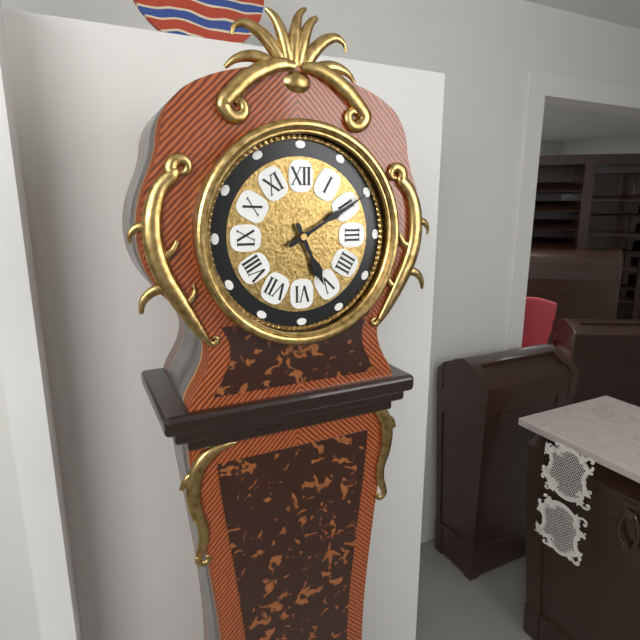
{"hour": 5, "minute": 10}
